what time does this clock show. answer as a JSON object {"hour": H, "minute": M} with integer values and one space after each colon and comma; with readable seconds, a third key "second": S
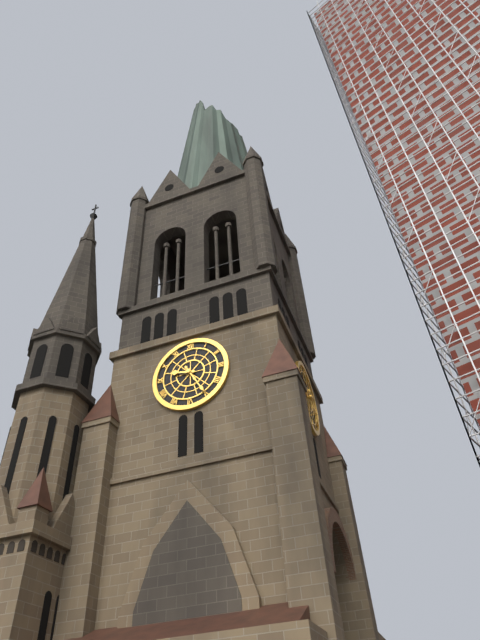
{"hour": 9, "minute": 25}
